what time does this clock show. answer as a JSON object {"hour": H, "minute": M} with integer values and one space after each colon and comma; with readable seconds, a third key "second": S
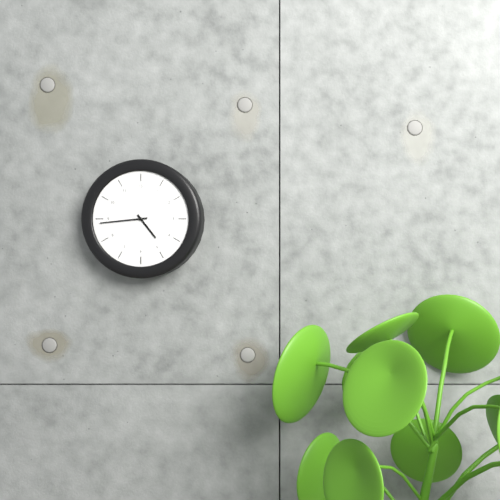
{"hour": 4, "minute": 44}
